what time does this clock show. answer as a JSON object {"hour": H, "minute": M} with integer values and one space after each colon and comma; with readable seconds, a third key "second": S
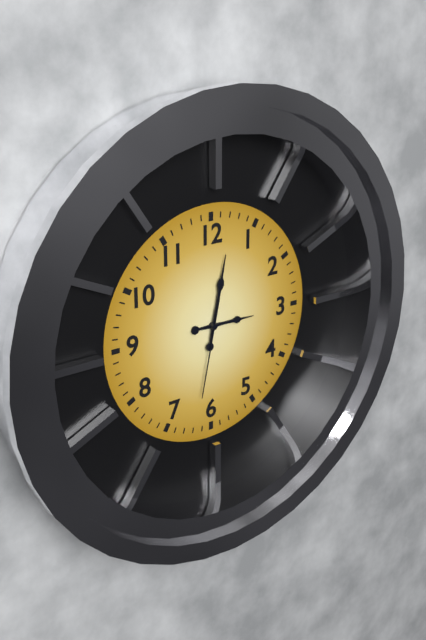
{"hour": 3, "minute": 2, "second": 32}
